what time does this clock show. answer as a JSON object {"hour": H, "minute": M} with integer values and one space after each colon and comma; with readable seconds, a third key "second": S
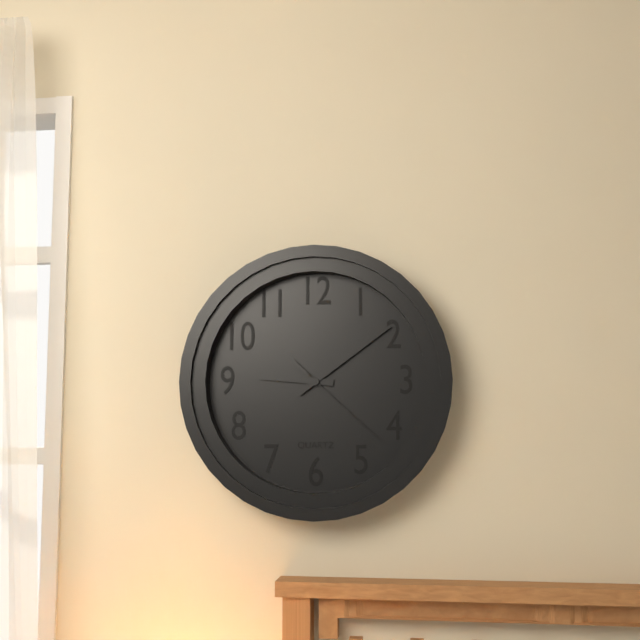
{"hour": 9, "minute": 9, "second": 22}
